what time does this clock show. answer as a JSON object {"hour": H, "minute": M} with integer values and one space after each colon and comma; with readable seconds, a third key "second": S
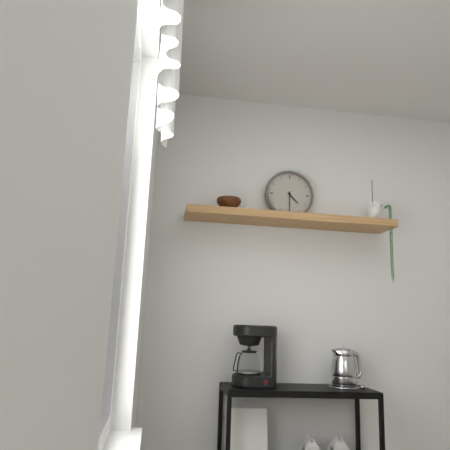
{"hour": 4, "minute": 30}
